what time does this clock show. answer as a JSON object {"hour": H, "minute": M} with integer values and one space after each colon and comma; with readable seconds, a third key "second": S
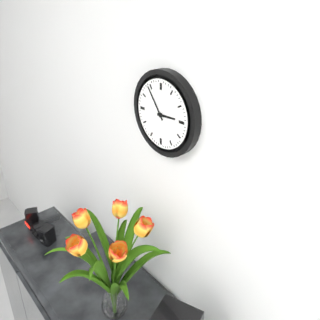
{"hour": 2, "minute": 54}
